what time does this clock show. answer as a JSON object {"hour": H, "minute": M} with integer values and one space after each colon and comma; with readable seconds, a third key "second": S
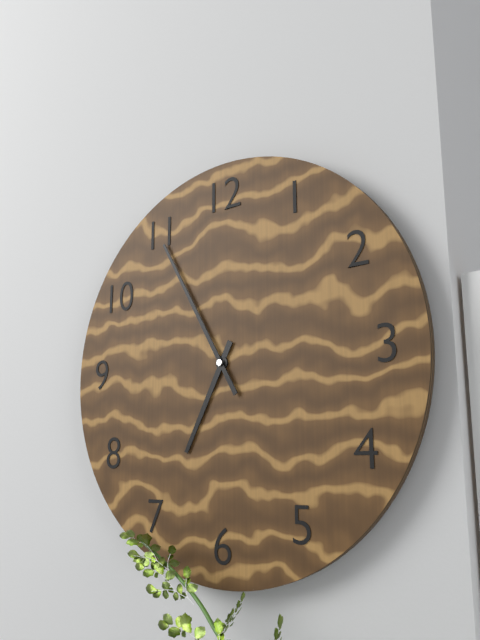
{"hour": 6, "minute": 55}
